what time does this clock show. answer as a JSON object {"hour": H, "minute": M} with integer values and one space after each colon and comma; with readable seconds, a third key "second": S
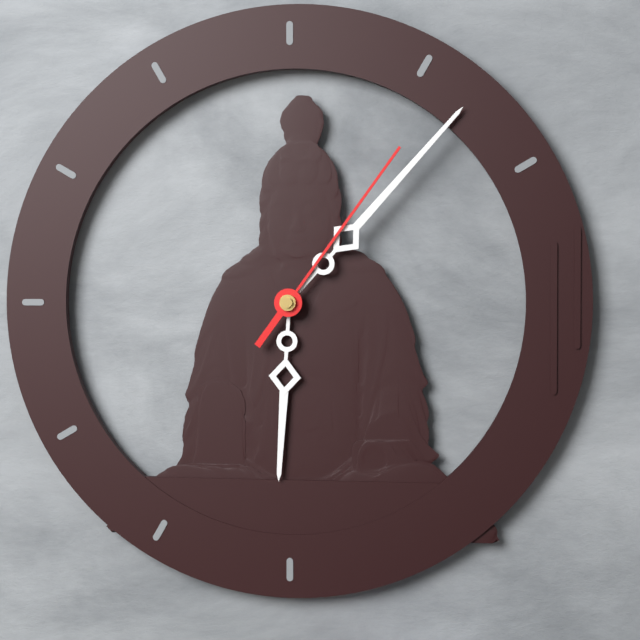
{"hour": 6, "minute": 7, "second": 6}
